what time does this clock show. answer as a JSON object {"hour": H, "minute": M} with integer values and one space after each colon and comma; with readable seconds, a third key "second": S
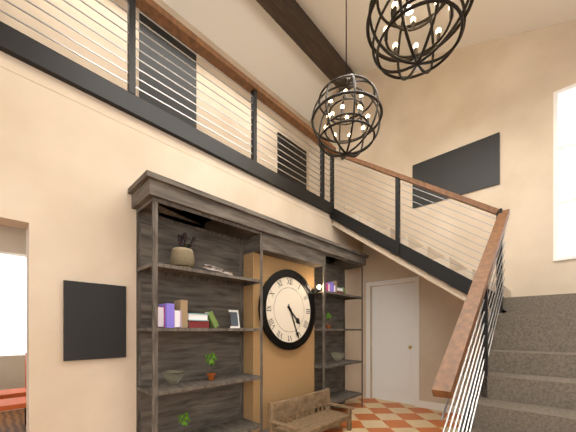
{"hour": 4, "minute": 26}
